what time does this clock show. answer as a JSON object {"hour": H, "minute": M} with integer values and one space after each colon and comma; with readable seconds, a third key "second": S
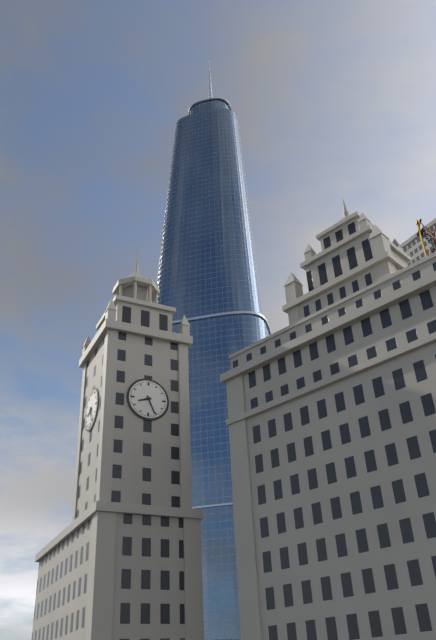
{"hour": 8, "minute": 26}
